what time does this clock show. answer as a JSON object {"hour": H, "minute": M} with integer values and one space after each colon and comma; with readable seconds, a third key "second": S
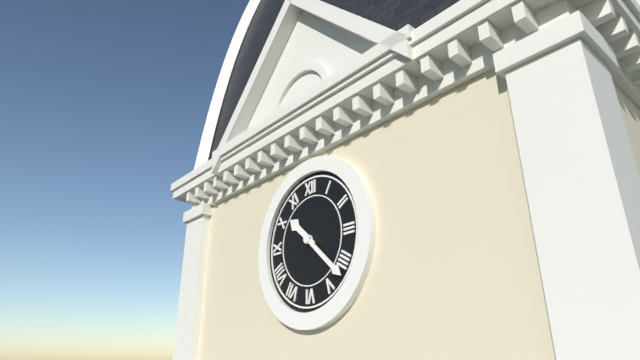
{"hour": 10, "minute": 22}
